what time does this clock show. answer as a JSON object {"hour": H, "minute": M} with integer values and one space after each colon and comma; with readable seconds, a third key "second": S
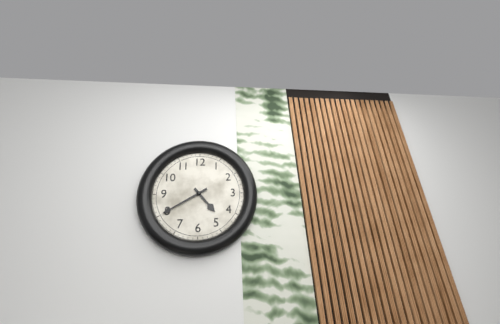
{"hour": 4, "minute": 40}
